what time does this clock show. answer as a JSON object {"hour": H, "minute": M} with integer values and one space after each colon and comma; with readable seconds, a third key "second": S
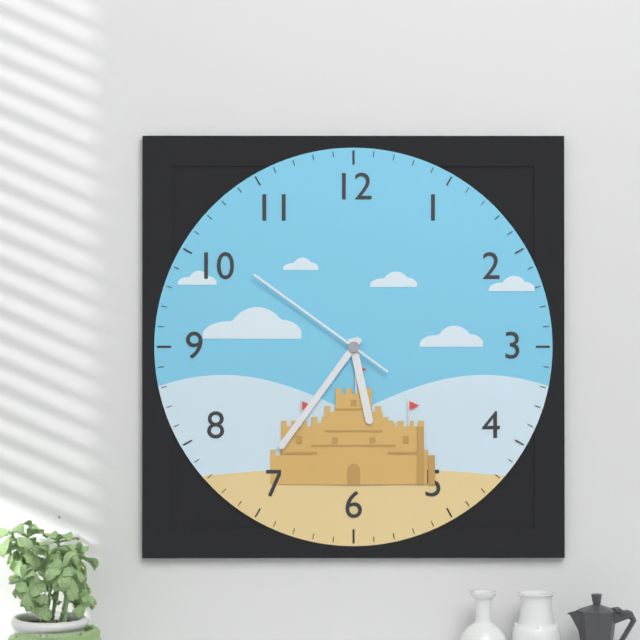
{"hour": 5, "minute": 36, "second": 51}
